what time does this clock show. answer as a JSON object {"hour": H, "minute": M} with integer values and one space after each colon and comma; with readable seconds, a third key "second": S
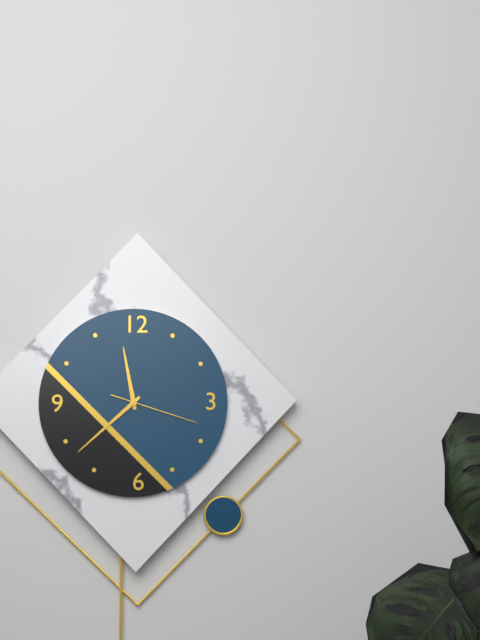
{"hour": 11, "minute": 38, "second": 18}
